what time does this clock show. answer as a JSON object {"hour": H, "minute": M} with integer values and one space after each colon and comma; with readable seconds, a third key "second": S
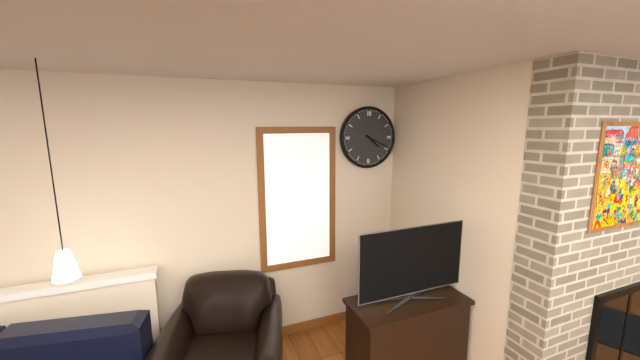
{"hour": 4, "minute": 19}
